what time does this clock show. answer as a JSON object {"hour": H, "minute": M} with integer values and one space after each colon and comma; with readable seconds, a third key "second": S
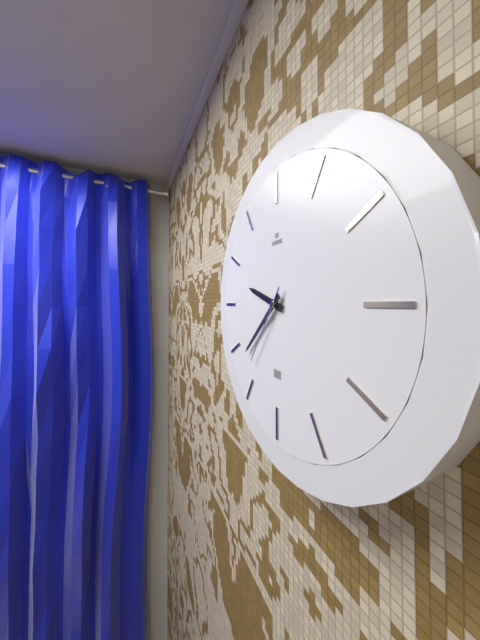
{"hour": 9, "minute": 38, "second": 36}
